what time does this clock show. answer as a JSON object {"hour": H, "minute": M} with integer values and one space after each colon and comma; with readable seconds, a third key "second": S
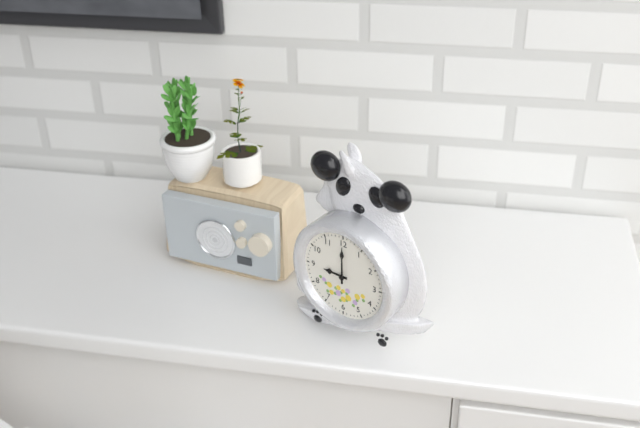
{"hour": 9, "minute": 0}
